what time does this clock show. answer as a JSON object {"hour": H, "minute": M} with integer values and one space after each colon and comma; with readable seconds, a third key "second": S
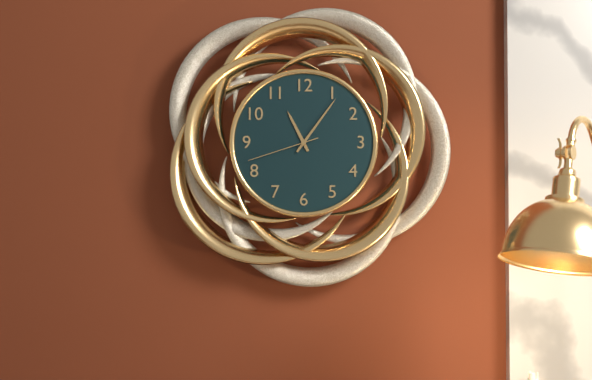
{"hour": 11, "minute": 6, "second": 42}
